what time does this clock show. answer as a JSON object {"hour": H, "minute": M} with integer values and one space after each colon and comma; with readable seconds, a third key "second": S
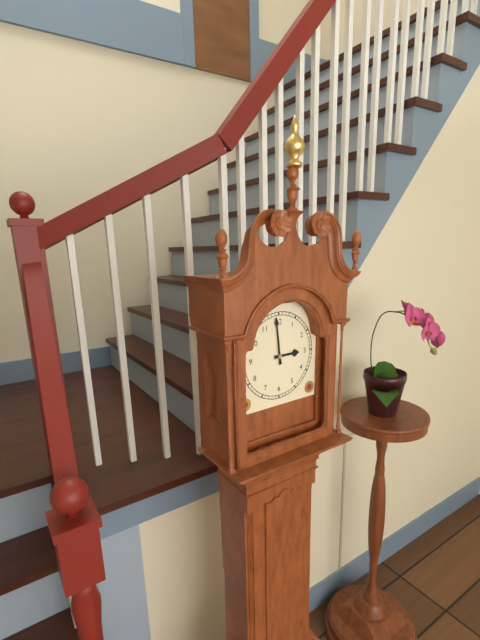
{"hour": 2, "minute": 59}
